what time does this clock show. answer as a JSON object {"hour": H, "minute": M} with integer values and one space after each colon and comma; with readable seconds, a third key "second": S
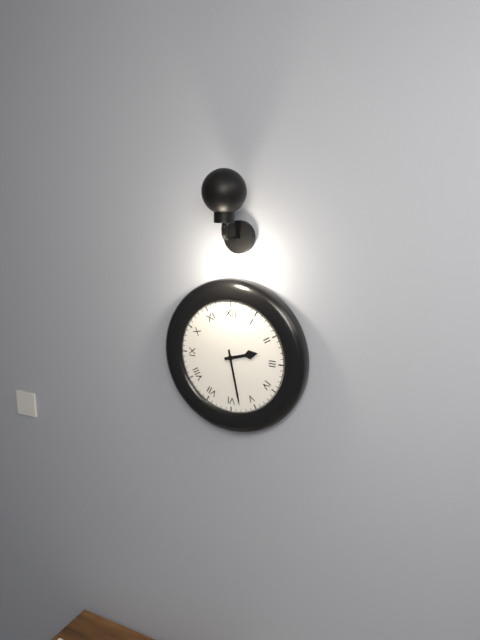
{"hour": 2, "minute": 28}
